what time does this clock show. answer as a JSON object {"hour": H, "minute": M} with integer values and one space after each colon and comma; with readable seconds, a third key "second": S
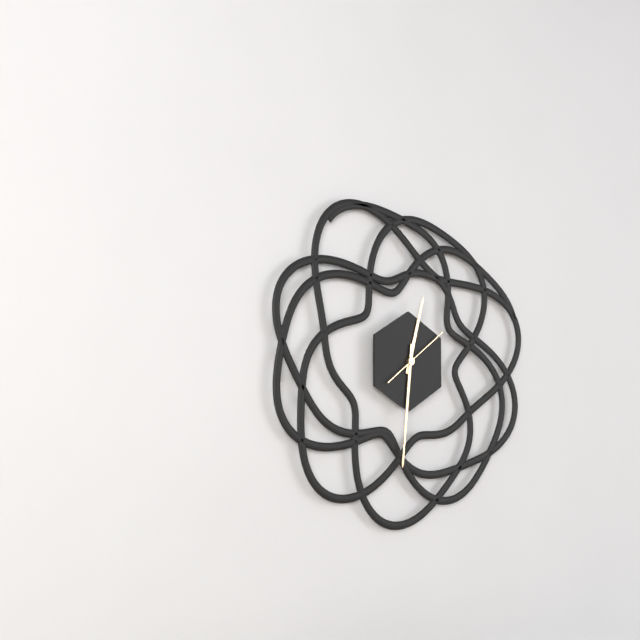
{"hour": 12, "minute": 31, "second": 9}
